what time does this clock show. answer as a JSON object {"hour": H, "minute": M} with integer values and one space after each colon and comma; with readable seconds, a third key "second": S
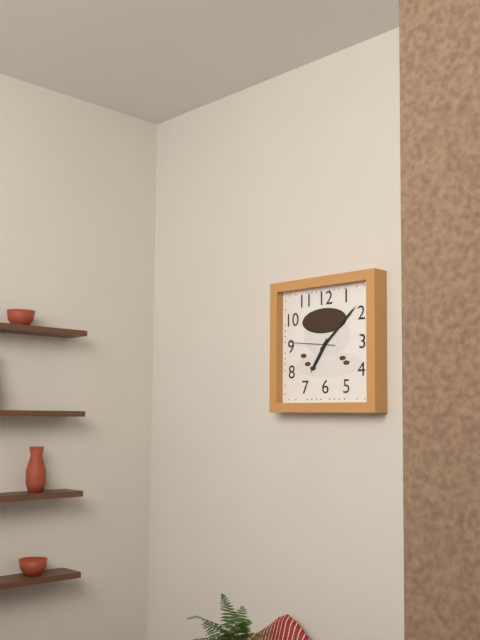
{"hour": 7, "minute": 8}
